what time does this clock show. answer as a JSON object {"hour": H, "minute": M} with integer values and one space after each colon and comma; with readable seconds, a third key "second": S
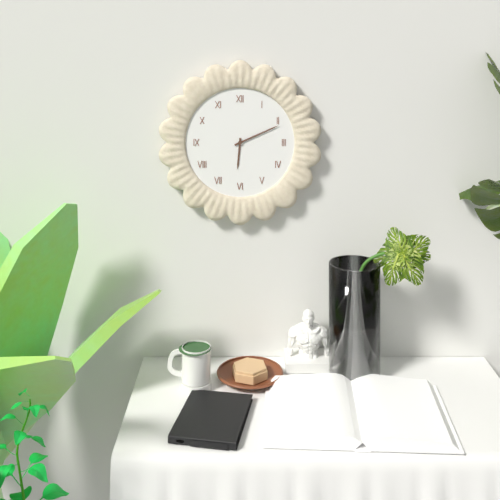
{"hour": 6, "minute": 11}
